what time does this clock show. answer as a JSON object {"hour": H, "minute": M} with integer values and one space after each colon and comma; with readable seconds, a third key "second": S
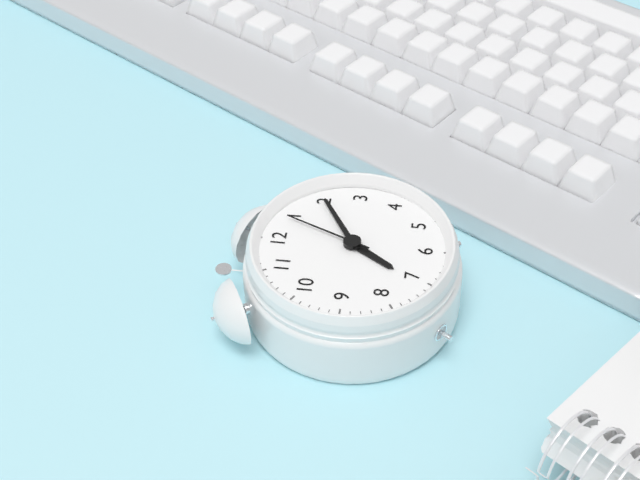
{"hour": 7, "minute": 10, "second": 4}
